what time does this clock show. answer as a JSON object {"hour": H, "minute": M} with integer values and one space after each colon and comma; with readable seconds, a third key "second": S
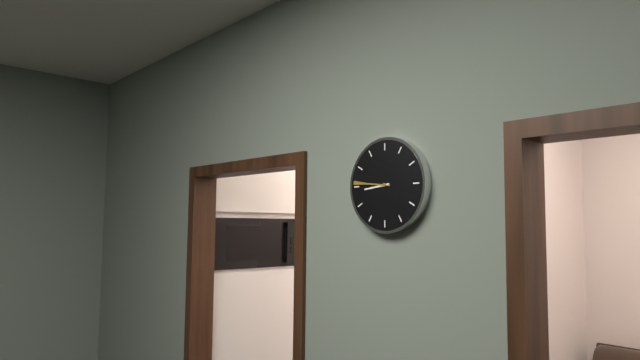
{"hour": 8, "minute": 46}
